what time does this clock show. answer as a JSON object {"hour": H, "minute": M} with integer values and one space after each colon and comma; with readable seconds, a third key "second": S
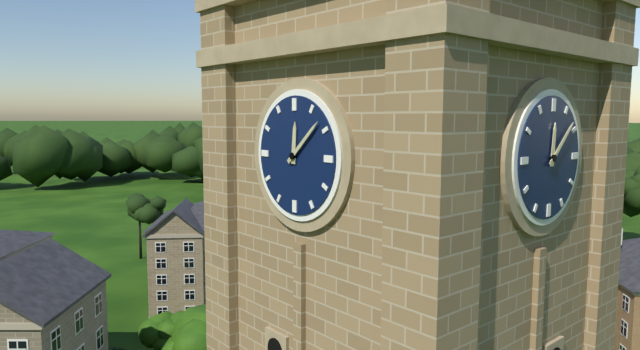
{"hour": 12, "minute": 8}
